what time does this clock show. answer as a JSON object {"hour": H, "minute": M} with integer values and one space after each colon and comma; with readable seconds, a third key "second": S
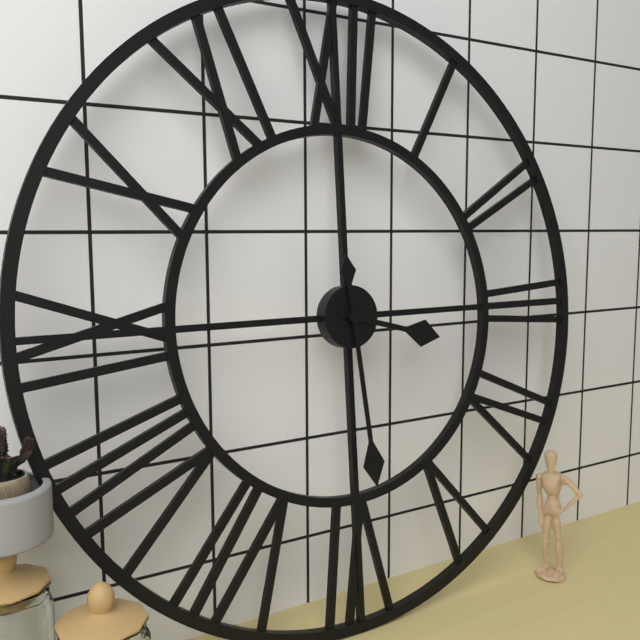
{"hour": 3, "minute": 29}
